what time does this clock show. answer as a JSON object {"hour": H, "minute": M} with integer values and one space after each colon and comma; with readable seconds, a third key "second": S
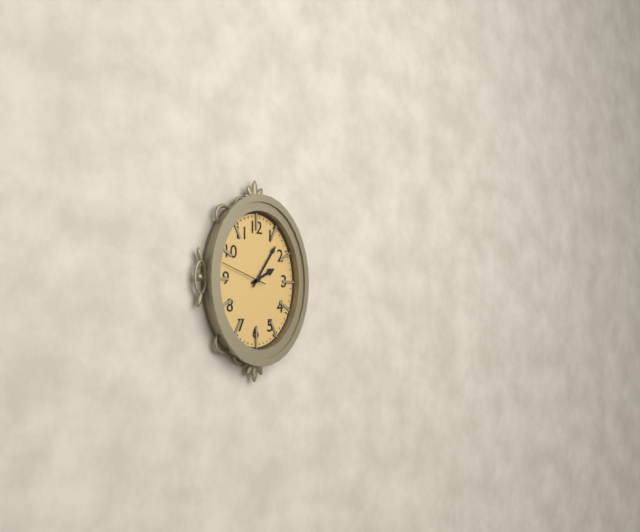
{"hour": 2, "minute": 6, "second": 48}
